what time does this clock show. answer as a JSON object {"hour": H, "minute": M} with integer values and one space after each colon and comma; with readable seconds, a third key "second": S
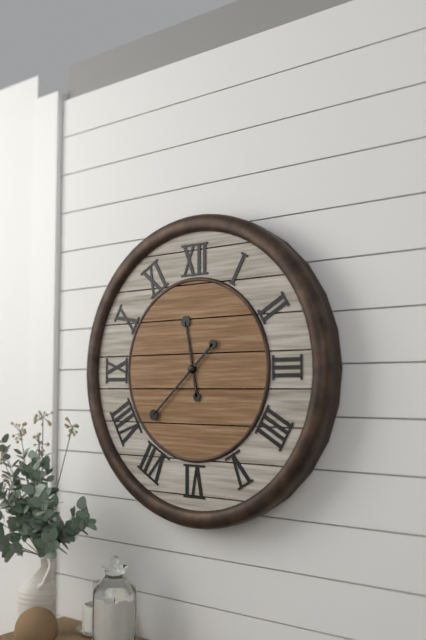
{"hour": 11, "minute": 38}
